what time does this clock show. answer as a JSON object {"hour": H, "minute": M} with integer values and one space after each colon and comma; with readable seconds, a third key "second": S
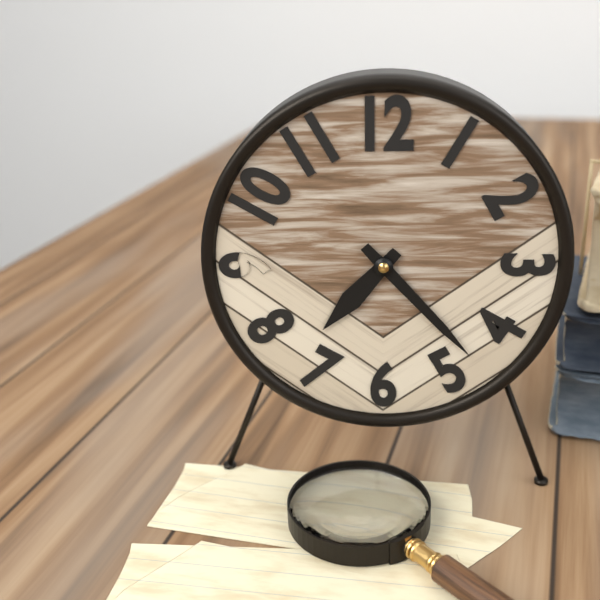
{"hour": 7, "minute": 23}
